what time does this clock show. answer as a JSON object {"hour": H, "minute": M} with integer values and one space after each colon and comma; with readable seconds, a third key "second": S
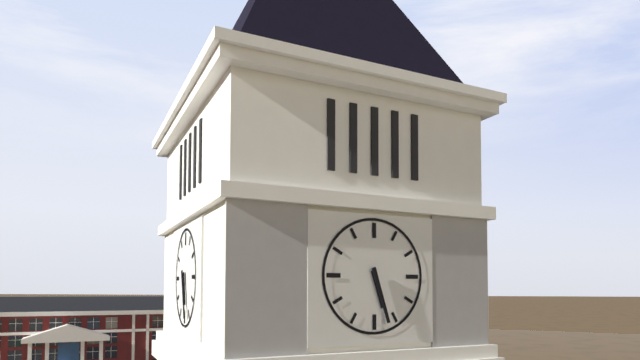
{"hour": 5, "minute": 27}
